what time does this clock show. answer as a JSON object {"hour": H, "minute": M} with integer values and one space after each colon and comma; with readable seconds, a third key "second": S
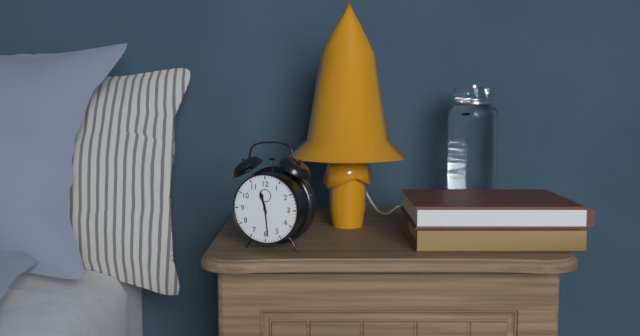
{"hour": 11, "minute": 29}
